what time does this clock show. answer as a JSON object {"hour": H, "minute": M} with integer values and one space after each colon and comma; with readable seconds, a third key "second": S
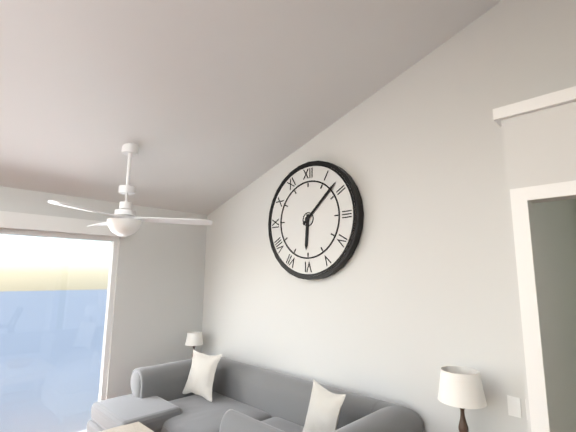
{"hour": 6, "minute": 8}
